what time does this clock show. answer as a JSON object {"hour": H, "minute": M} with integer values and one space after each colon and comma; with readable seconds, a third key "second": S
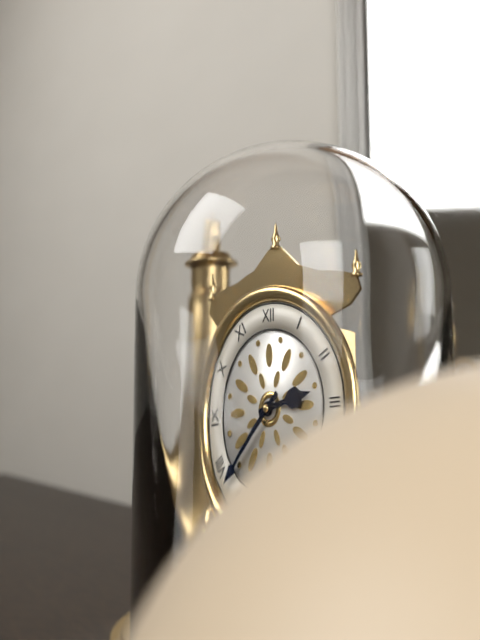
{"hour": 2, "minute": 38}
